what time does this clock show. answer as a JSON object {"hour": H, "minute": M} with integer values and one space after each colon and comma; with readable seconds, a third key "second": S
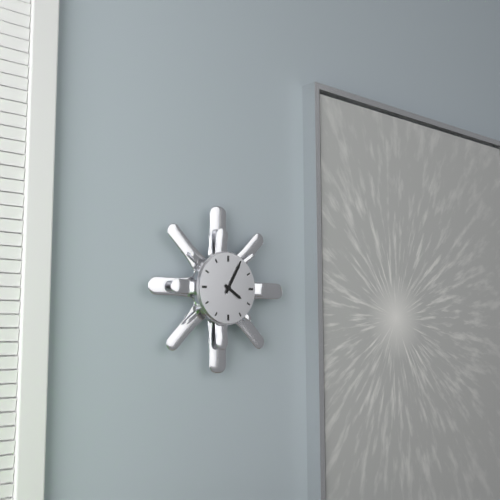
{"hour": 4, "minute": 5}
